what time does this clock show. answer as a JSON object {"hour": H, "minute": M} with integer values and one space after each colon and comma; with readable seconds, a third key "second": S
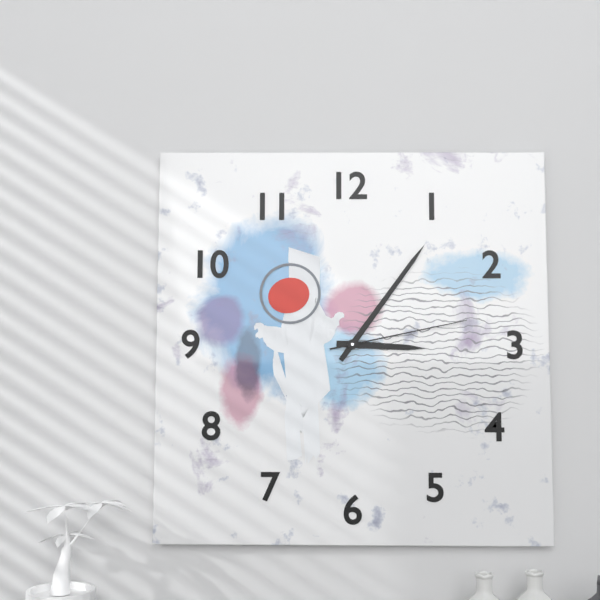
{"hour": 3, "minute": 6, "second": 13}
